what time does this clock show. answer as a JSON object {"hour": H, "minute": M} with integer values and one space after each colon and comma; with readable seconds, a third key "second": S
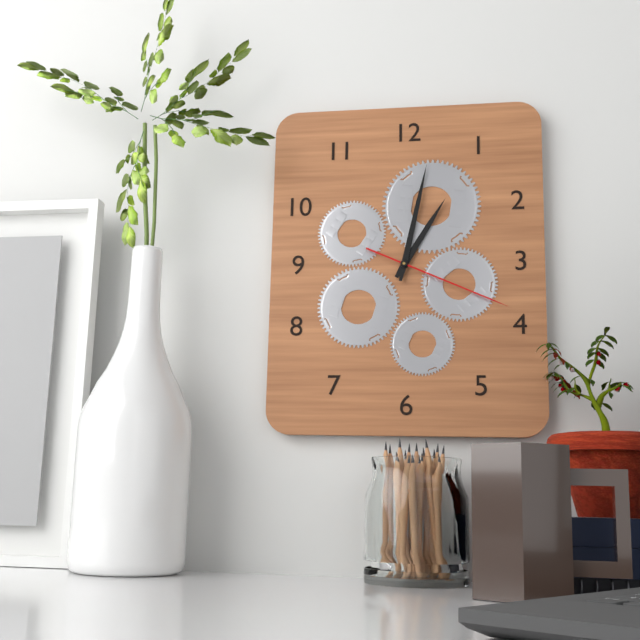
{"hour": 1, "minute": 2, "second": 19}
